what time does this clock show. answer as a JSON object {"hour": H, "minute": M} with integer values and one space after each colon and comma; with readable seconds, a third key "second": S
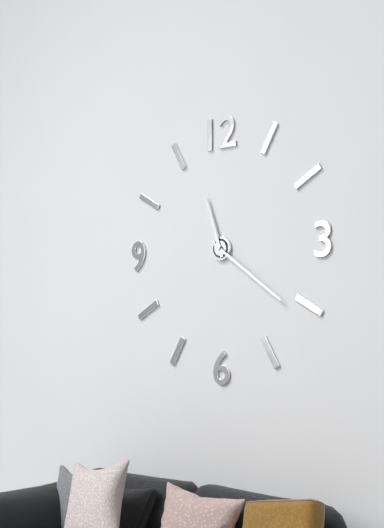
{"hour": 11, "minute": 21}
